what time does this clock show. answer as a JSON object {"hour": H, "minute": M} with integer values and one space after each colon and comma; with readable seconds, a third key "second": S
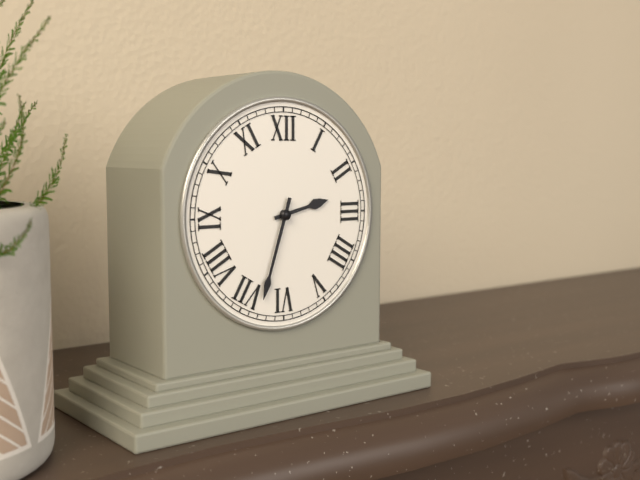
{"hour": 2, "minute": 33}
